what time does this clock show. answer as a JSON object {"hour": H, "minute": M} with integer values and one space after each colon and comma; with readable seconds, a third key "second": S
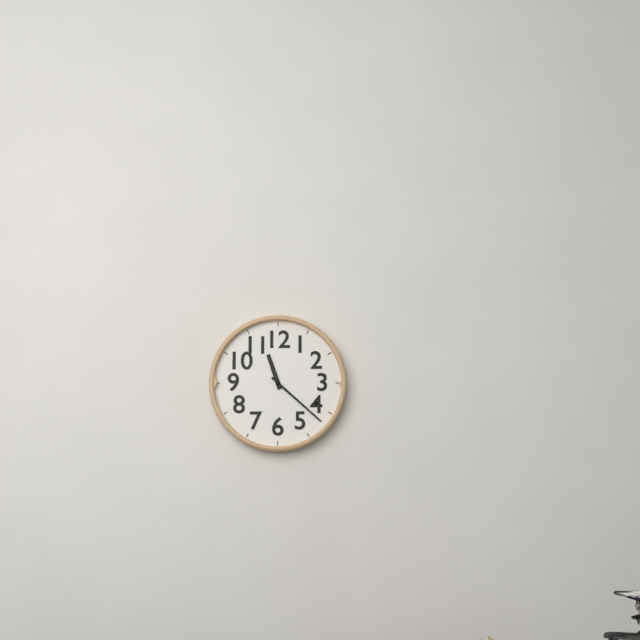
{"hour": 11, "minute": 22}
